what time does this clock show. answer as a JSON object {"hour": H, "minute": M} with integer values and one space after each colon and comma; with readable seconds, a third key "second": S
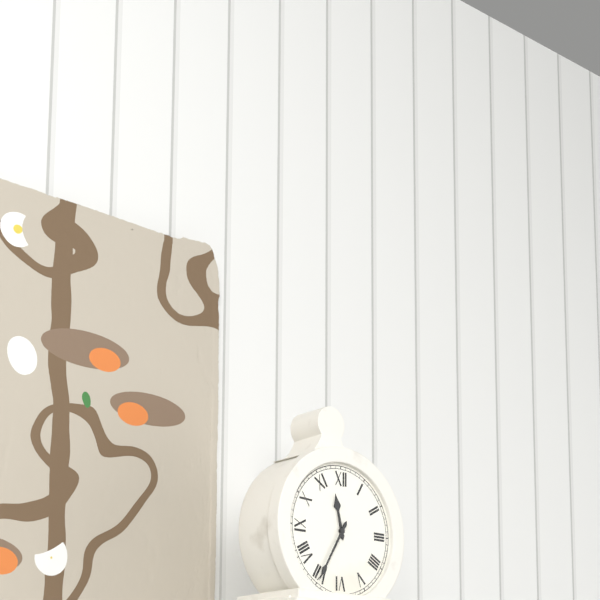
{"hour": 11, "minute": 35}
